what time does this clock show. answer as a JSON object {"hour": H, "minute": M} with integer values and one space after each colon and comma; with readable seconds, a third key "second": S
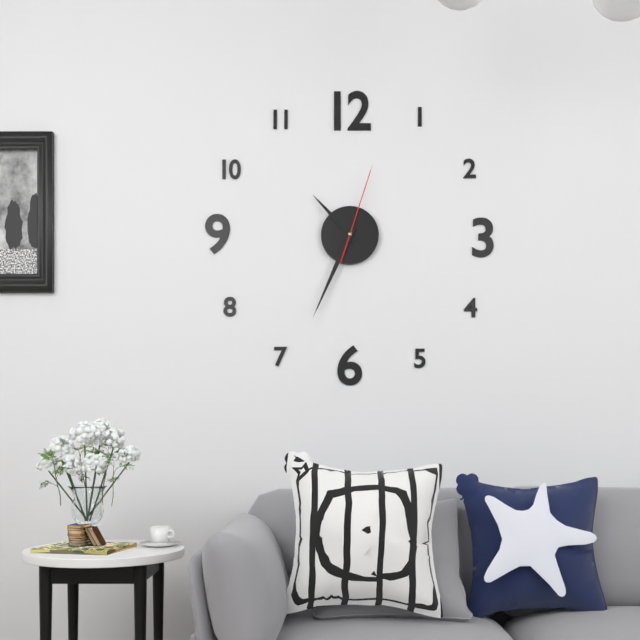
{"hour": 10, "minute": 34, "second": 3}
